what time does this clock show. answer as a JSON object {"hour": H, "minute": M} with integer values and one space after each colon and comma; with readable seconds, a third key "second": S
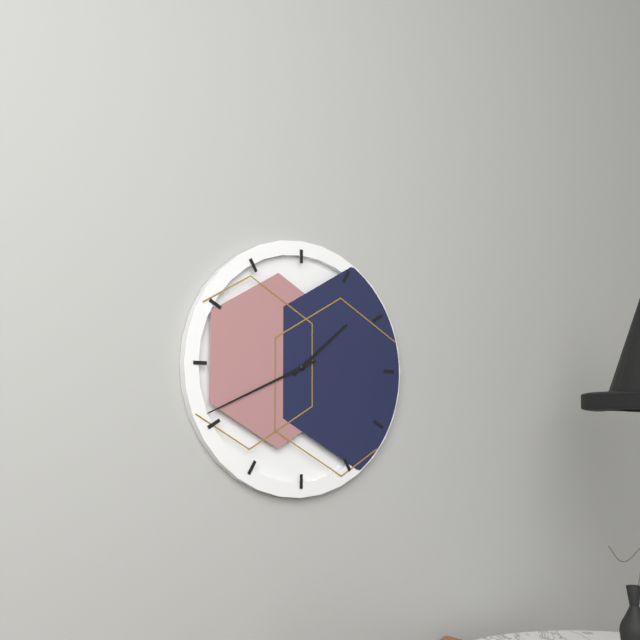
{"hour": 1, "minute": 41}
